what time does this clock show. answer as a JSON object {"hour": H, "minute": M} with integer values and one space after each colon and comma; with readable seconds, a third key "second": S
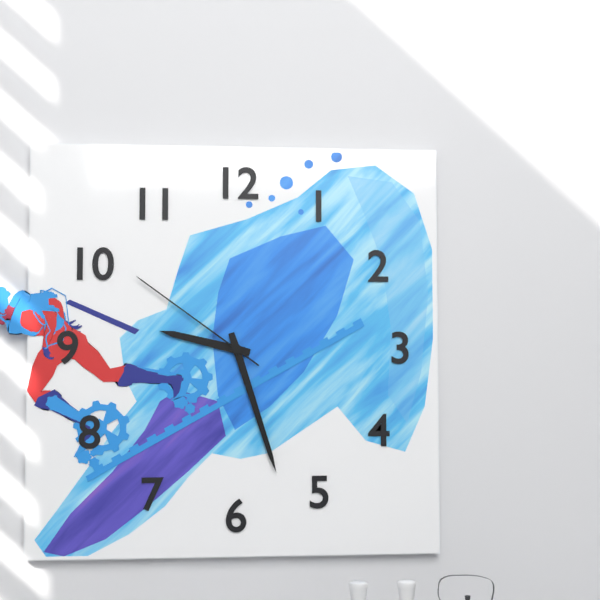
{"hour": 9, "minute": 27, "second": 51}
